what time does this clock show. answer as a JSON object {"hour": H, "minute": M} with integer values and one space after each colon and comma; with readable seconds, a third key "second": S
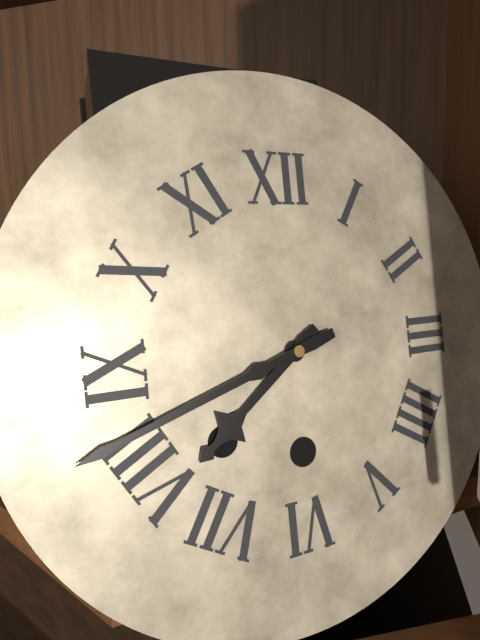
{"hour": 7, "minute": 42}
